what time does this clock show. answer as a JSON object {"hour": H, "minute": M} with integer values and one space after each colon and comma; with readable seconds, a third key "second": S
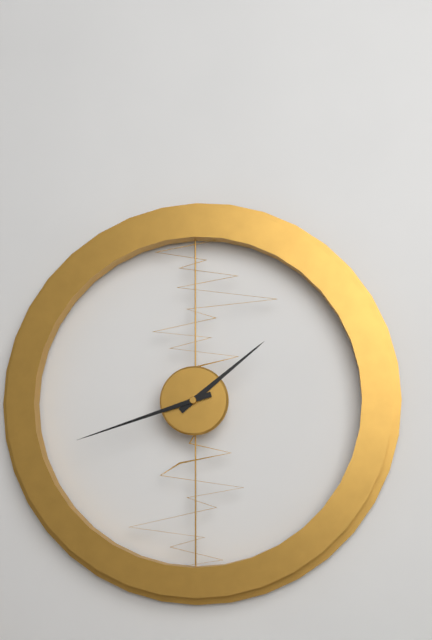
{"hour": 1, "minute": 42}
